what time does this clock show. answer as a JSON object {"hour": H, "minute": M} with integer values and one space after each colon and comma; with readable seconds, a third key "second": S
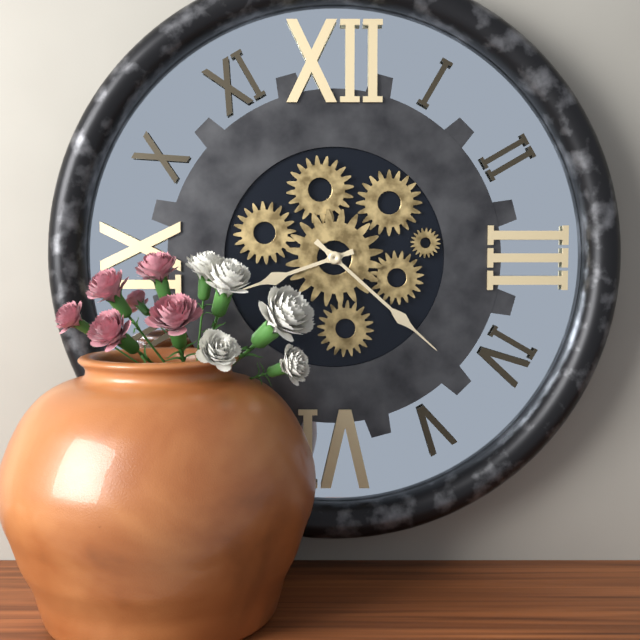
{"hour": 8, "minute": 22}
